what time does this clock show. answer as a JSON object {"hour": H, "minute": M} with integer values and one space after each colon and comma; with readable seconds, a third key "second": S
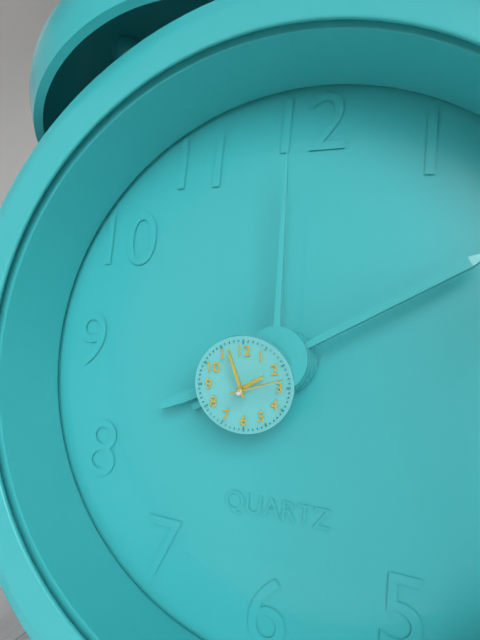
{"hour": 1, "minute": 57}
